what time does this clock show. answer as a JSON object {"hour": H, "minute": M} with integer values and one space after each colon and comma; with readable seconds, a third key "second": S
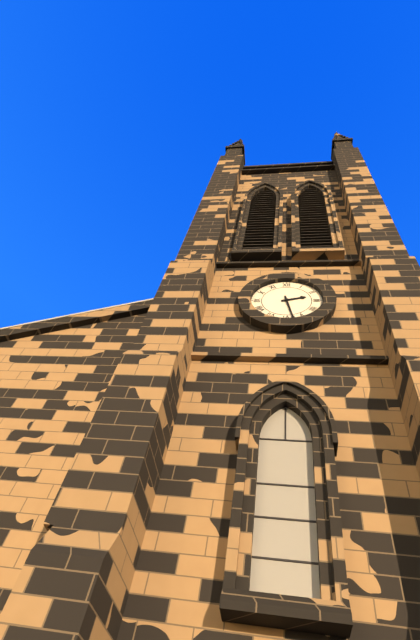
{"hour": 2, "minute": 28}
